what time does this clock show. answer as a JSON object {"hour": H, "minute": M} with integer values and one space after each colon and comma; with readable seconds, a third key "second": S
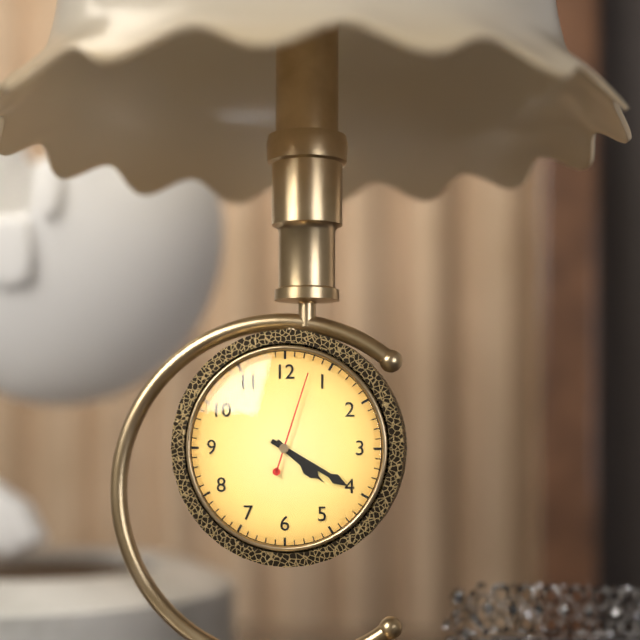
{"hour": 4, "minute": 20, "second": 3}
